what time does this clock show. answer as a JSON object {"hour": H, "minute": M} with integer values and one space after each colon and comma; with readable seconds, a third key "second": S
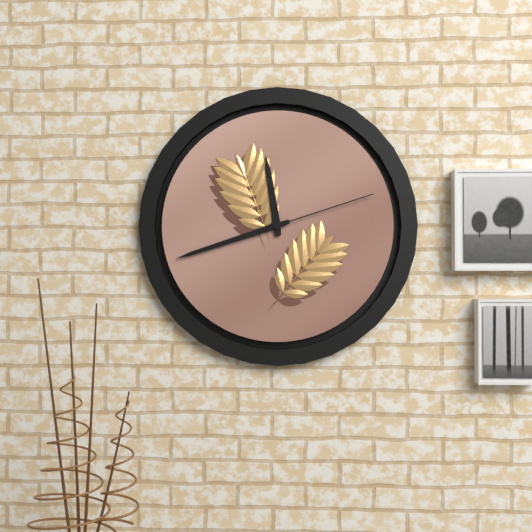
{"hour": 11, "minute": 42, "second": 12}
